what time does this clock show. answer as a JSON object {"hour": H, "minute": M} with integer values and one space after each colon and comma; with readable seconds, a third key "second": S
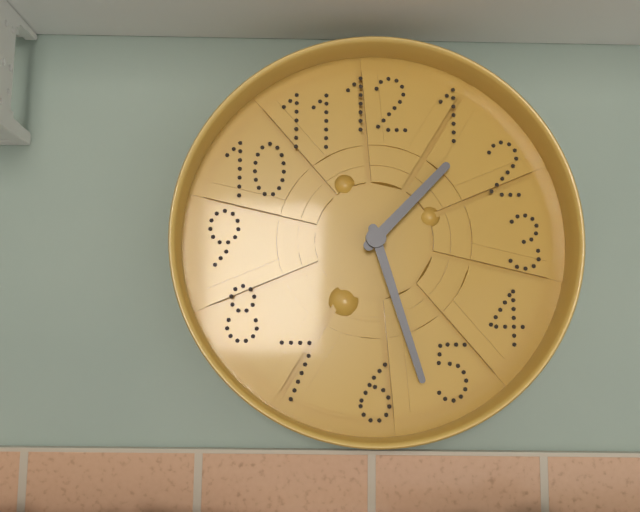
{"hour": 1, "minute": 27}
